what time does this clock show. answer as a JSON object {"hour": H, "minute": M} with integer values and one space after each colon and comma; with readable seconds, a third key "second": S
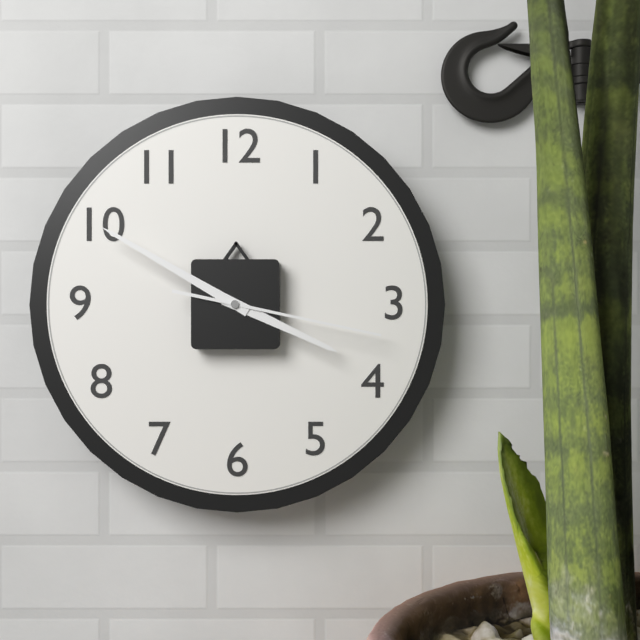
{"hour": 3, "minute": 50, "second": 17}
